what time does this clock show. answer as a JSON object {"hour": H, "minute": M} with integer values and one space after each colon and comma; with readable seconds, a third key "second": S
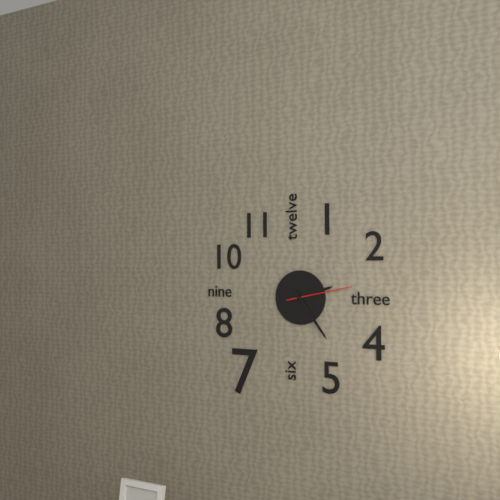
{"hour": 2, "minute": 24, "second": 13}
